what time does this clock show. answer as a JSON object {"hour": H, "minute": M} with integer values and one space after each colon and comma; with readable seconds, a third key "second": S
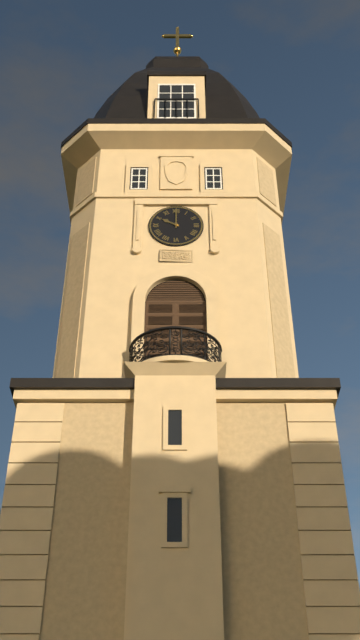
{"hour": 10, "minute": 0}
